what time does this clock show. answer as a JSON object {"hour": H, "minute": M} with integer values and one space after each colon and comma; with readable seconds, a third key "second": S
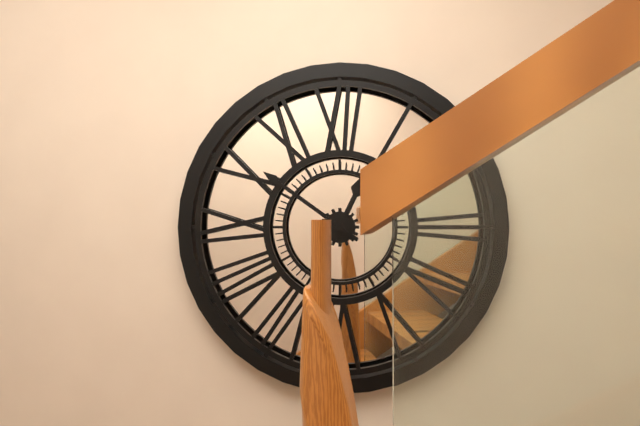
{"hour": 12, "minute": 51}
